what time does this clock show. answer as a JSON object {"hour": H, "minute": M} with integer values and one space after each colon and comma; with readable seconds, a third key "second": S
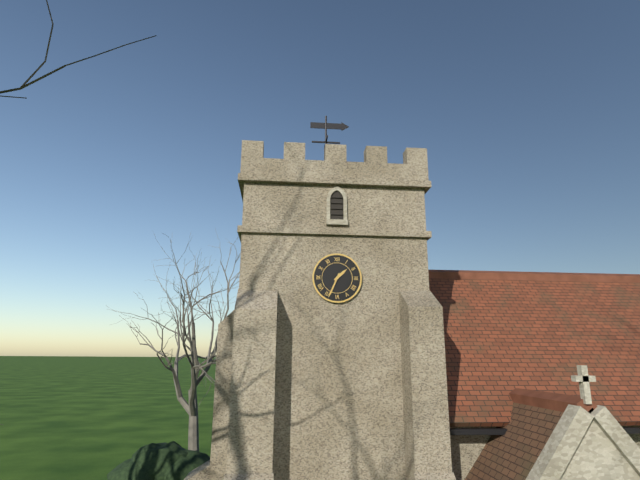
{"hour": 1, "minute": 34}
